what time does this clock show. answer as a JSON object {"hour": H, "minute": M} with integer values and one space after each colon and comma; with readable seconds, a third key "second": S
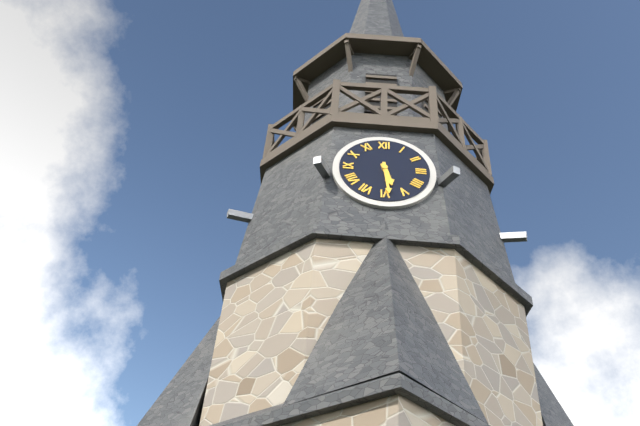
{"hour": 5, "minute": 29}
